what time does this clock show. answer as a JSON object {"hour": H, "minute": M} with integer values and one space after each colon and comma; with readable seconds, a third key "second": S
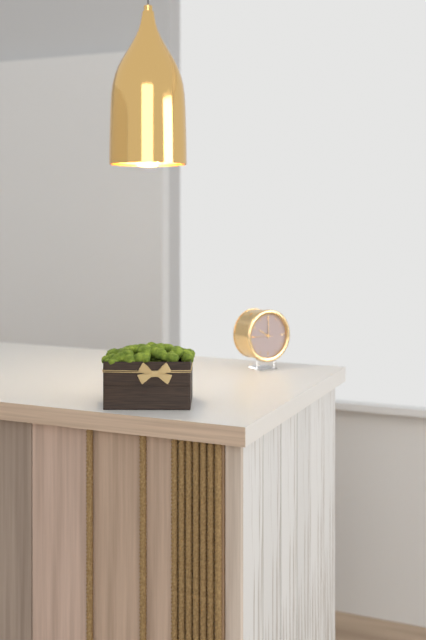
{"hour": 10, "minute": 0}
